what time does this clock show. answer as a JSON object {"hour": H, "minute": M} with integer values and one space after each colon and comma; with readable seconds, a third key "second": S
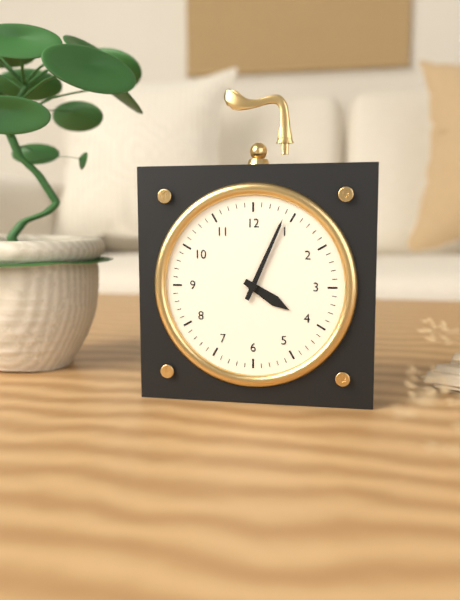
{"hour": 4, "minute": 4}
